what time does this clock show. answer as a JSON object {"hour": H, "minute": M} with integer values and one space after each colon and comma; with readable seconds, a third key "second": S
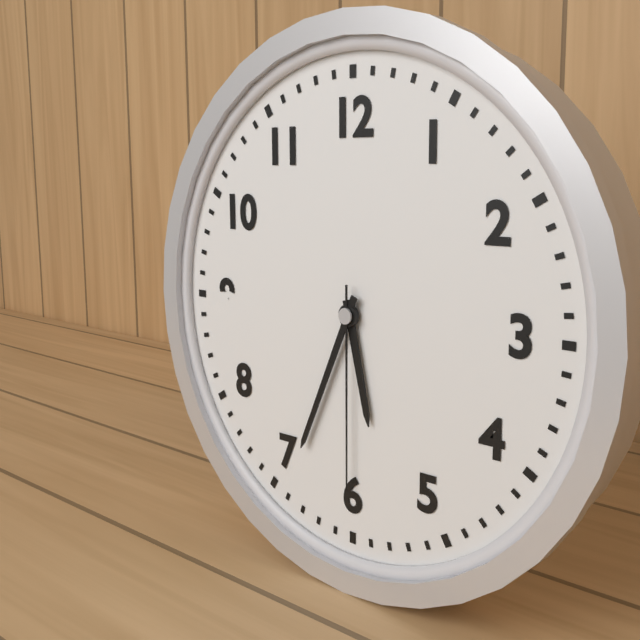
{"hour": 5, "minute": 34, "second": 30}
